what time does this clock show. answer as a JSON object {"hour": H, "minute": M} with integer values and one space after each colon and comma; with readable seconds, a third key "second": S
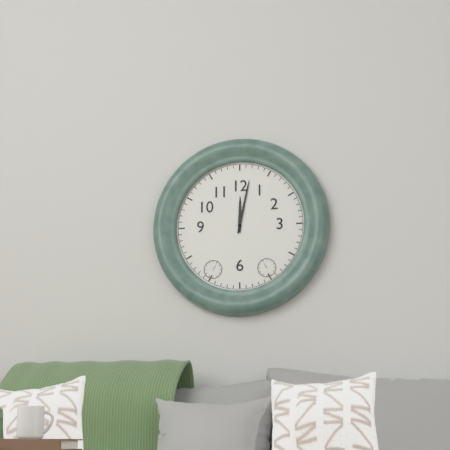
{"hour": 12, "minute": 2}
